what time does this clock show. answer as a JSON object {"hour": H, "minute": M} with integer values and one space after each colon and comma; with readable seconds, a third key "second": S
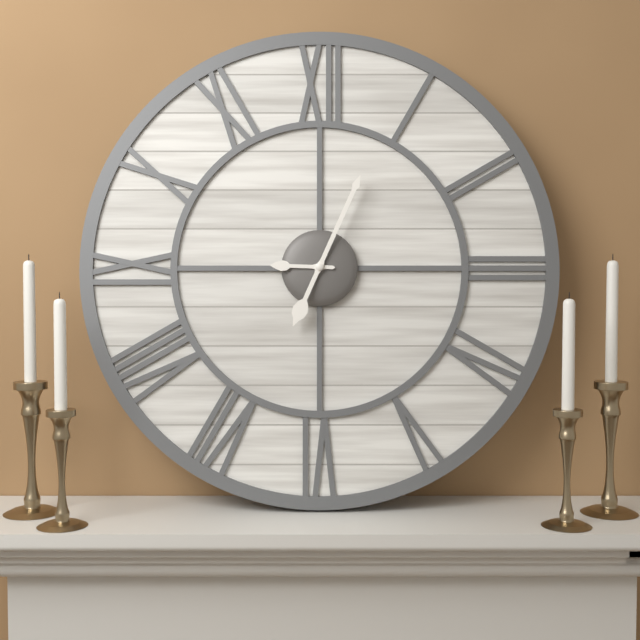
{"hour": 9, "minute": 4}
